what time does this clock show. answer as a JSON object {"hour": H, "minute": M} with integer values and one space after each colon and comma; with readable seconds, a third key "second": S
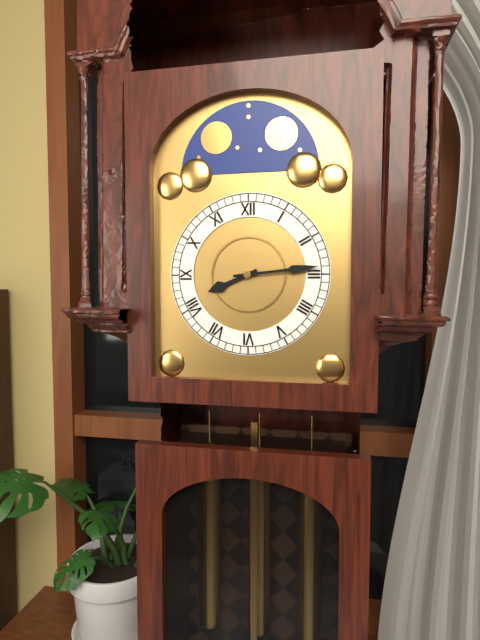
{"hour": 8, "minute": 14}
